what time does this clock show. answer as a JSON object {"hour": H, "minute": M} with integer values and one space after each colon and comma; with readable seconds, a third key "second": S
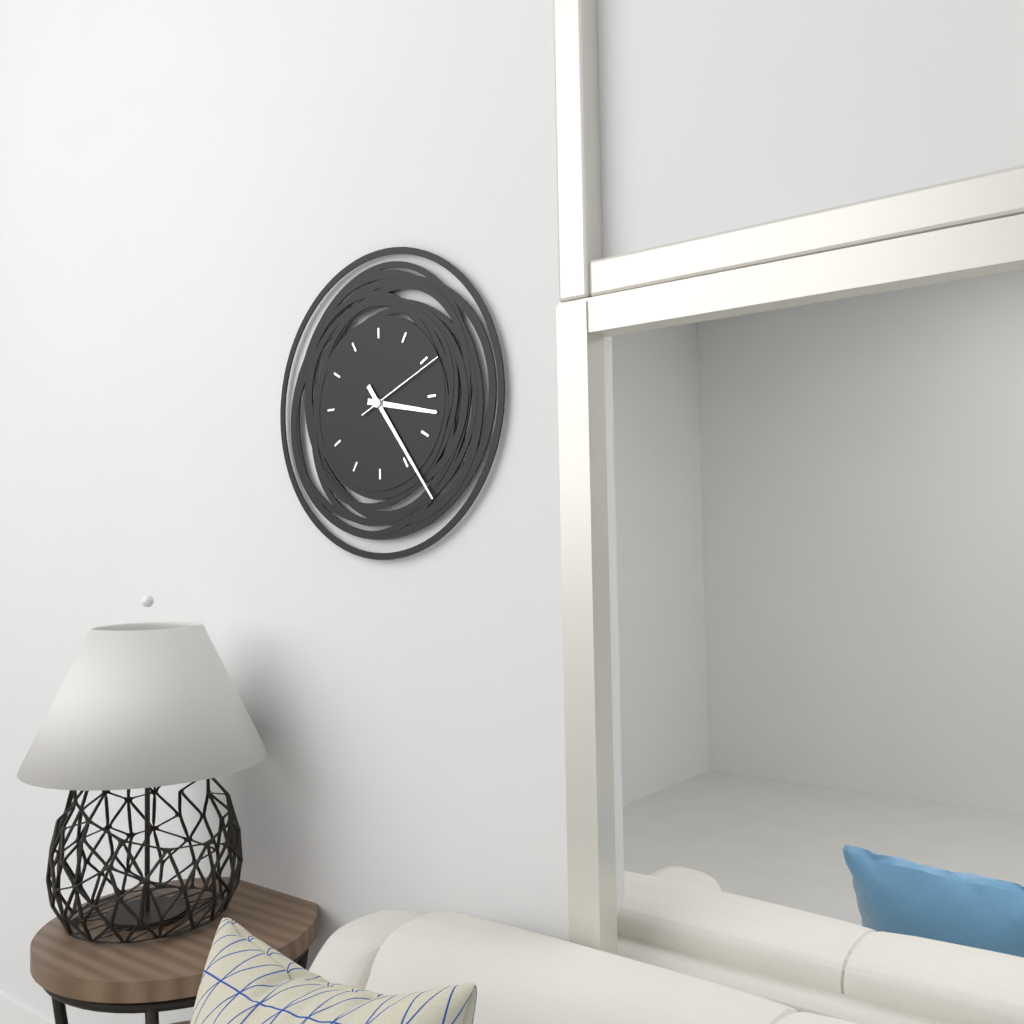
{"hour": 3, "minute": 24, "second": 11}
